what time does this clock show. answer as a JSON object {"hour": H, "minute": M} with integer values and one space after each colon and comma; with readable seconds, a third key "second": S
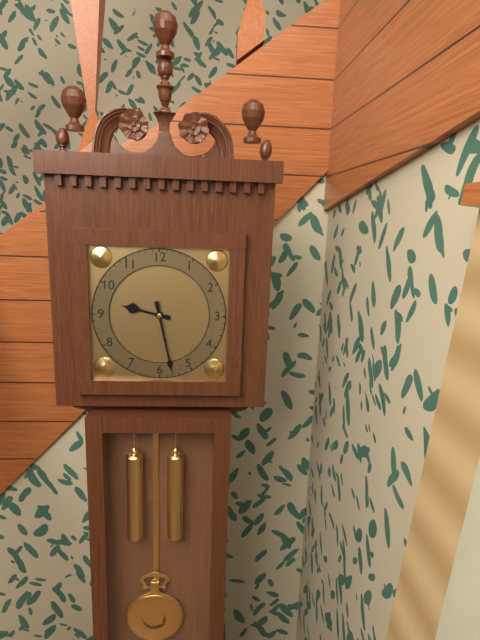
{"hour": 9, "minute": 28}
